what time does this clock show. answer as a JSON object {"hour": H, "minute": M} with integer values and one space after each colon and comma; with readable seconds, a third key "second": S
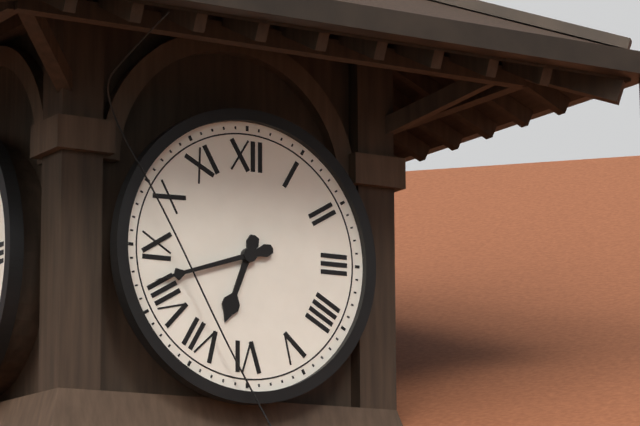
{"hour": 6, "minute": 42}
